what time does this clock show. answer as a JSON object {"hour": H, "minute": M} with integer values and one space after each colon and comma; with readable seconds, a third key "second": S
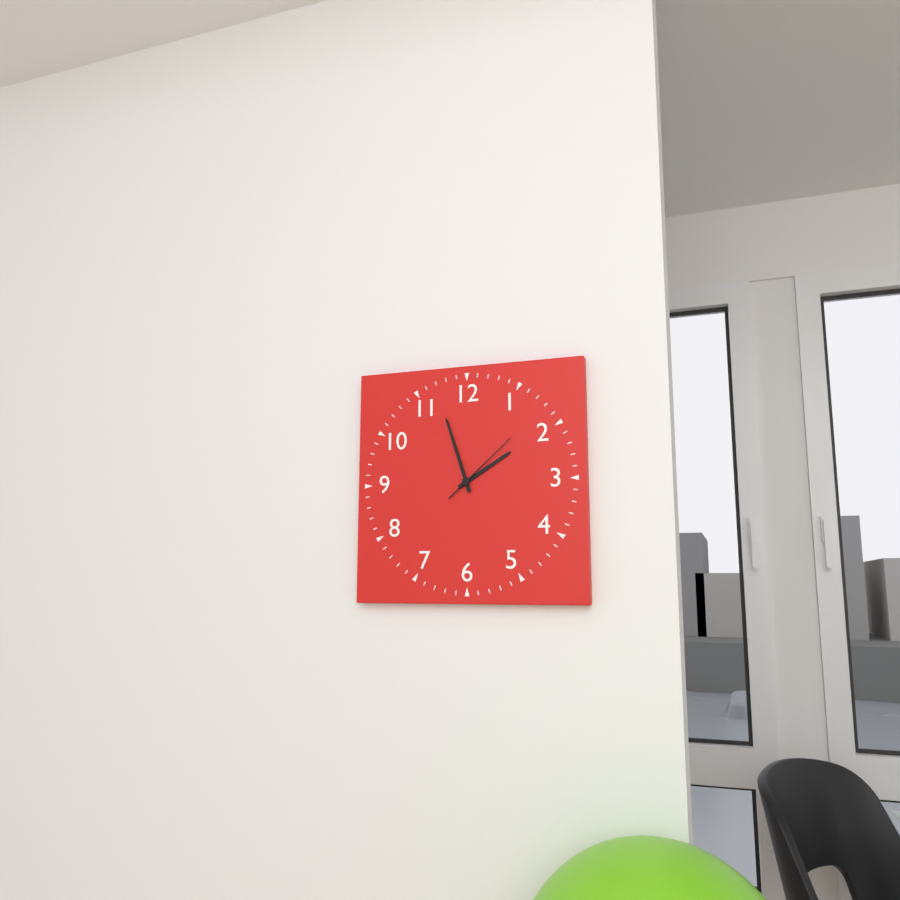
{"hour": 1, "minute": 57, "second": 8}
